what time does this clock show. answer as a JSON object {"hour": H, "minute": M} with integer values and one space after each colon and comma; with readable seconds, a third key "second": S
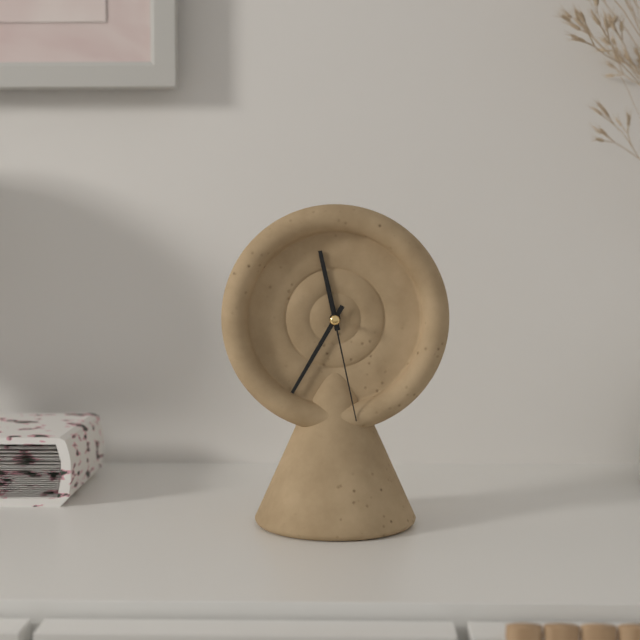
{"hour": 11, "minute": 35, "second": 28}
